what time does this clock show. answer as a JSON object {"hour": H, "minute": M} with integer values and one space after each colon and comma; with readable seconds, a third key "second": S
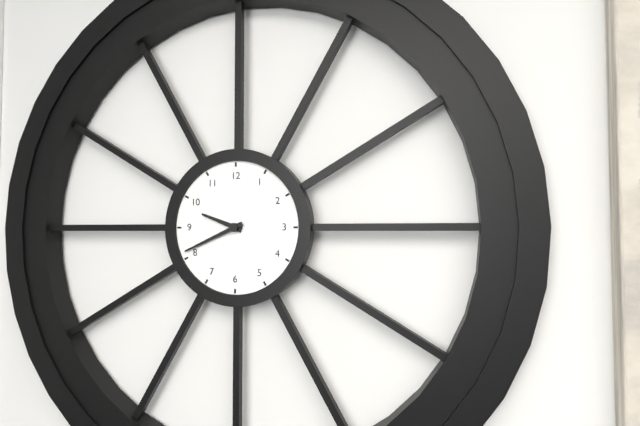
{"hour": 9, "minute": 41}
